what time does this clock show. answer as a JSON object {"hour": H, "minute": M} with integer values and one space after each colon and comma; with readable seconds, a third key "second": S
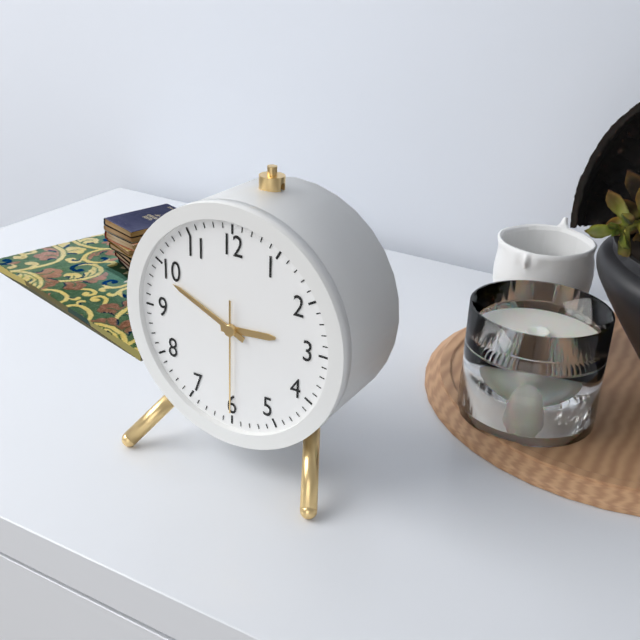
{"hour": 2, "minute": 49, "second": 30}
